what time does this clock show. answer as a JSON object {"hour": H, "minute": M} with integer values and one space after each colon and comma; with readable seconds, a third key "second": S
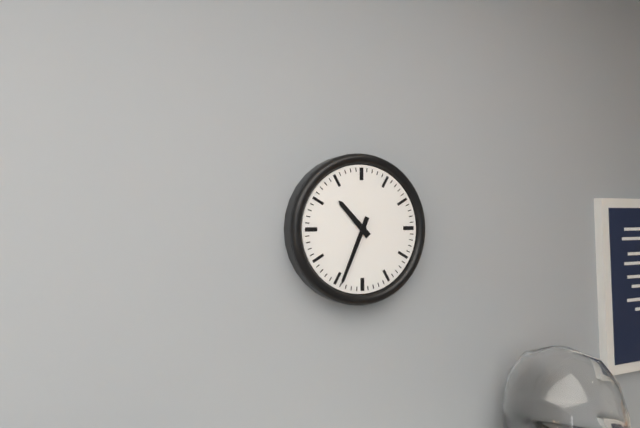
{"hour": 10, "minute": 34}
